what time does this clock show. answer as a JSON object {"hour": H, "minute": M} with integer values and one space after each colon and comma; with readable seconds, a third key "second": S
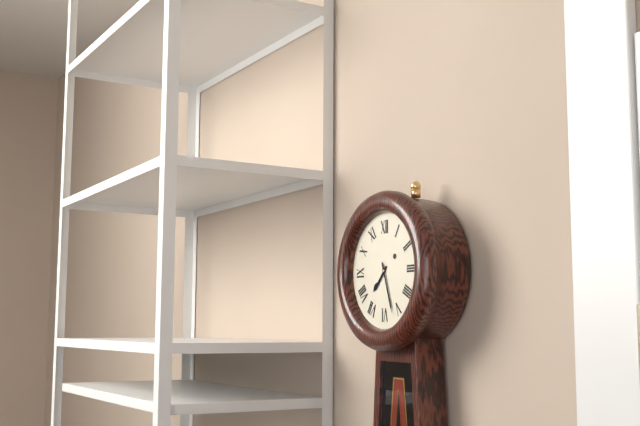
{"hour": 7, "minute": 27}
